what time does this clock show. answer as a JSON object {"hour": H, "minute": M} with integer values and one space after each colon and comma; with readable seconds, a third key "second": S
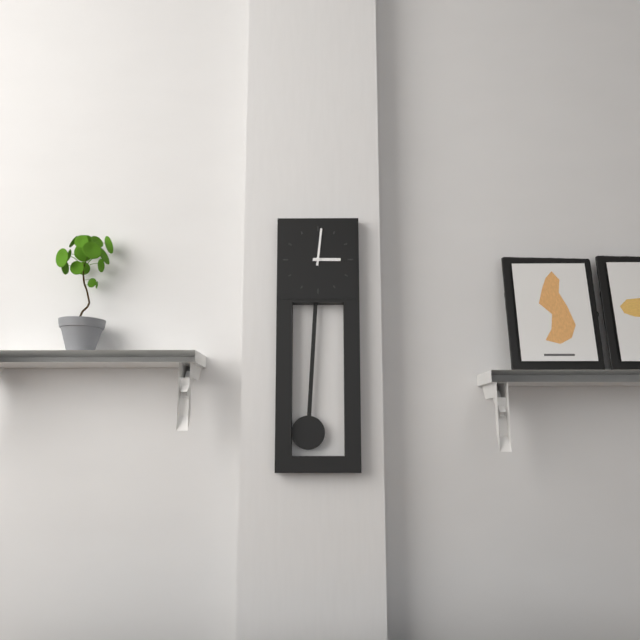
{"hour": 3, "minute": 1}
